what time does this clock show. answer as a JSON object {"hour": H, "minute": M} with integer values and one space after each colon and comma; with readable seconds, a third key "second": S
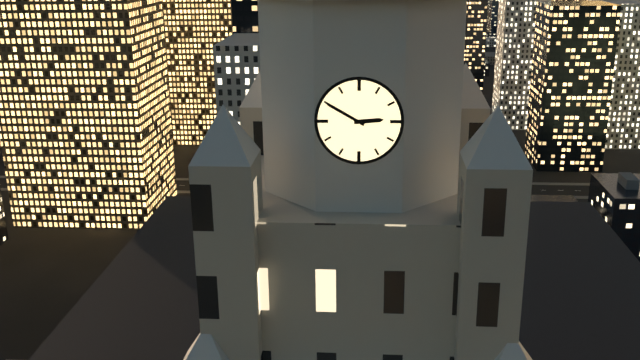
{"hour": 2, "minute": 50}
